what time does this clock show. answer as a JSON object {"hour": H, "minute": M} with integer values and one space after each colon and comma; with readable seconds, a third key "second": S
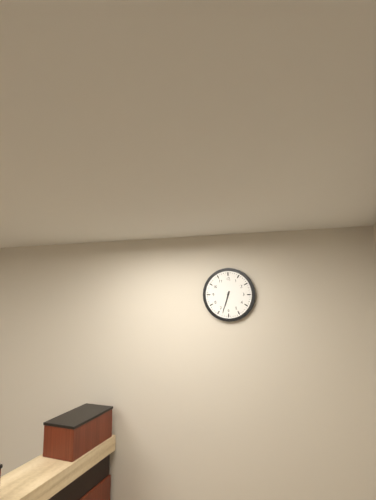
{"hour": 6, "minute": 33}
